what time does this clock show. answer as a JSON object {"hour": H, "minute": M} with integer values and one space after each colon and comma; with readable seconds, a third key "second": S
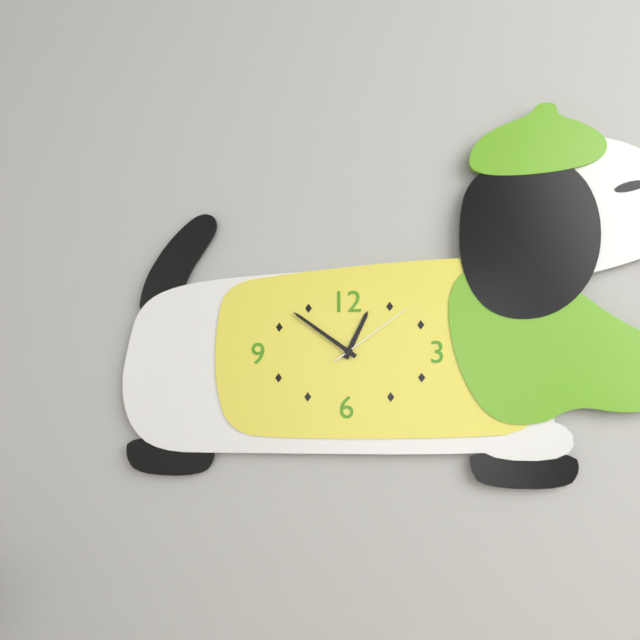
{"hour": 12, "minute": 51, "second": 9}
